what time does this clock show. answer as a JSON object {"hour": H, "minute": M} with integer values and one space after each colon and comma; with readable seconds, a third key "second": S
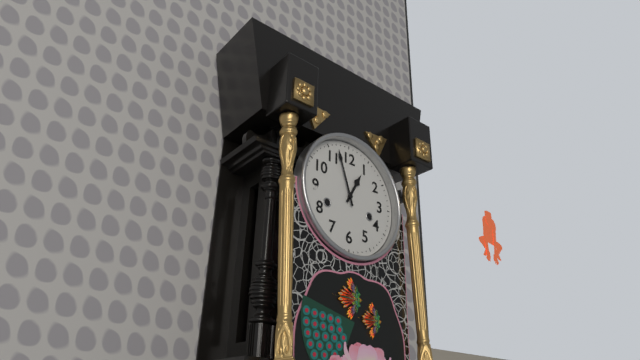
{"hour": 12, "minute": 57}
